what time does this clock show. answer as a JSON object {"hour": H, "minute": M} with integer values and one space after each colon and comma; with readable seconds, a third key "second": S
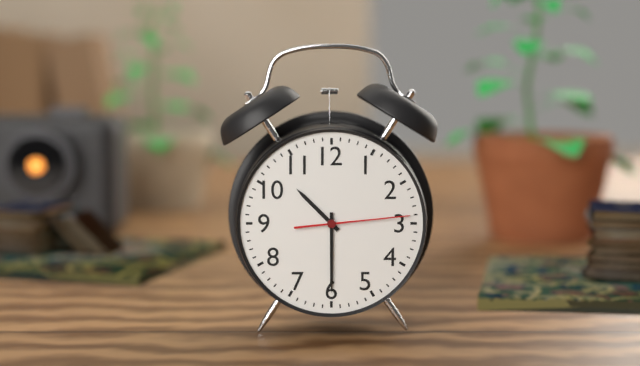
{"hour": 10, "minute": 30, "second": 14}
